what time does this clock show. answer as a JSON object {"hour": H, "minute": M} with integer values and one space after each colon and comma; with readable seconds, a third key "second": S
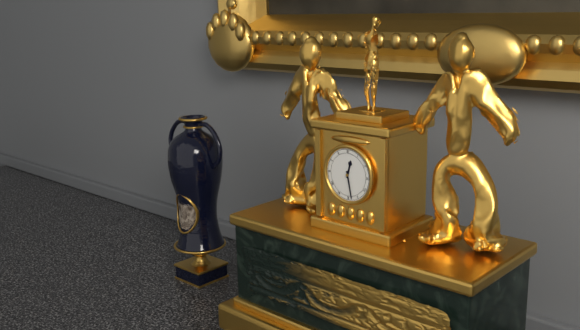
{"hour": 12, "minute": 28}
